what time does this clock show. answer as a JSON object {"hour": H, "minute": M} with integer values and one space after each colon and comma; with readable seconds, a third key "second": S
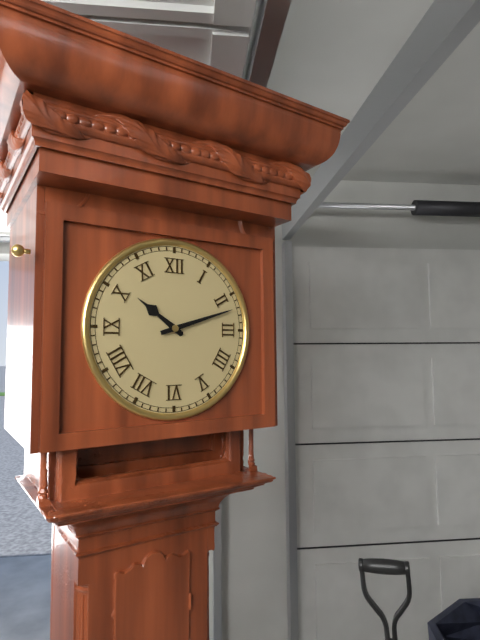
{"hour": 10, "minute": 12}
